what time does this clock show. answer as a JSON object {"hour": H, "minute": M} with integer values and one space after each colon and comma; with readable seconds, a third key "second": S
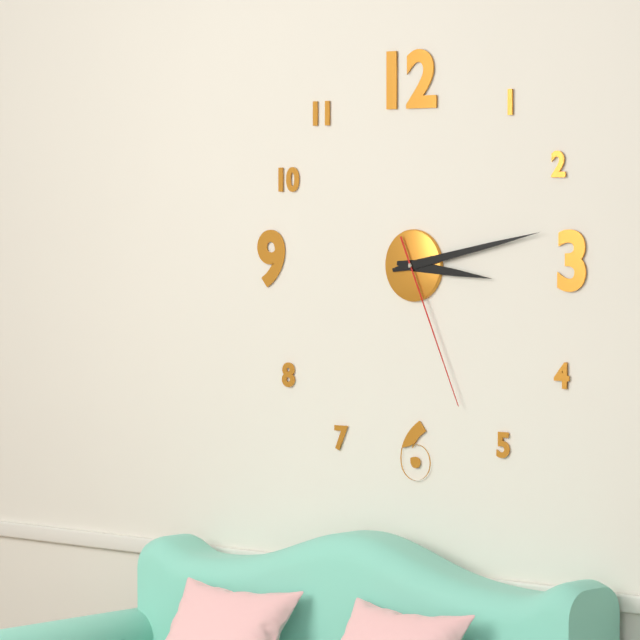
{"hour": 3, "minute": 13, "second": 26}
